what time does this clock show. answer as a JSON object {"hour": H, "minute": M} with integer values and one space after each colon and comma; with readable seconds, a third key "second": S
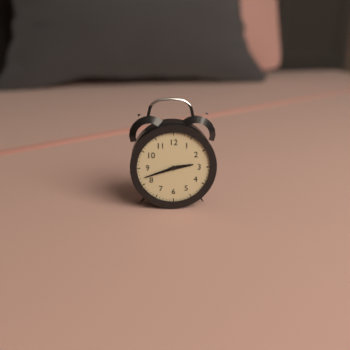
{"hour": 2, "minute": 42}
